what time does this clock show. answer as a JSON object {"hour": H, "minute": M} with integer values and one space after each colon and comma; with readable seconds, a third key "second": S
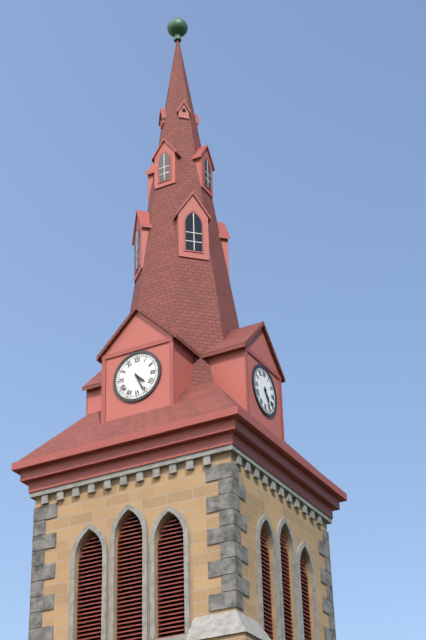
{"hour": 4, "minute": 26}
